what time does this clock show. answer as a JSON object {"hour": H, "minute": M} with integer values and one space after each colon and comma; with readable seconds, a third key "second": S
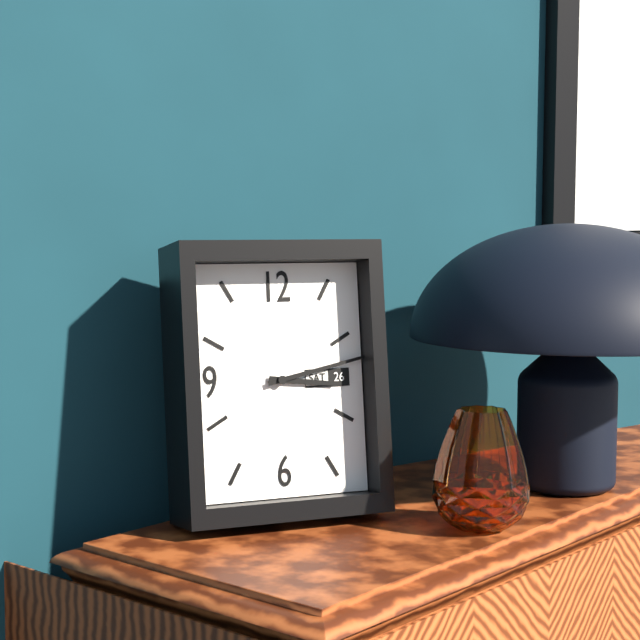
{"hour": 3, "minute": 13}
